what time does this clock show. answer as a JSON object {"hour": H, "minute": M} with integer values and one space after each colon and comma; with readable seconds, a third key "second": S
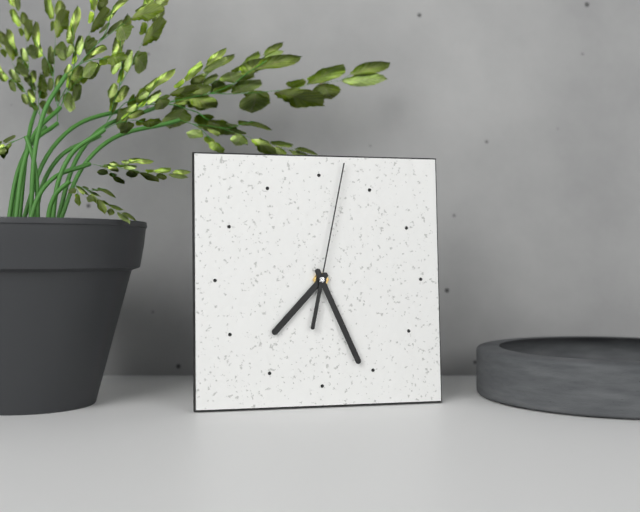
{"hour": 7, "minute": 26, "second": 2}
